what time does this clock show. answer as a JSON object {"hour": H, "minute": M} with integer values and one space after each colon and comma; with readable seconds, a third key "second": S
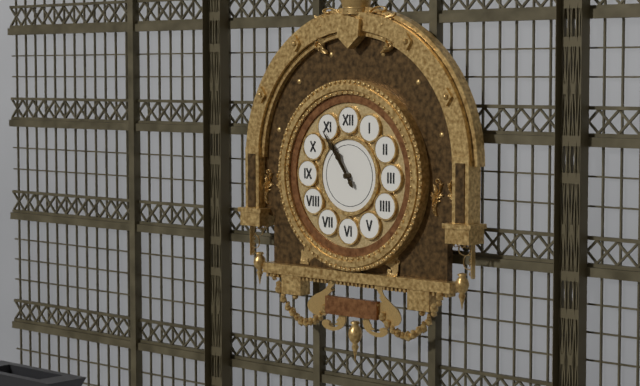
{"hour": 10, "minute": 54}
